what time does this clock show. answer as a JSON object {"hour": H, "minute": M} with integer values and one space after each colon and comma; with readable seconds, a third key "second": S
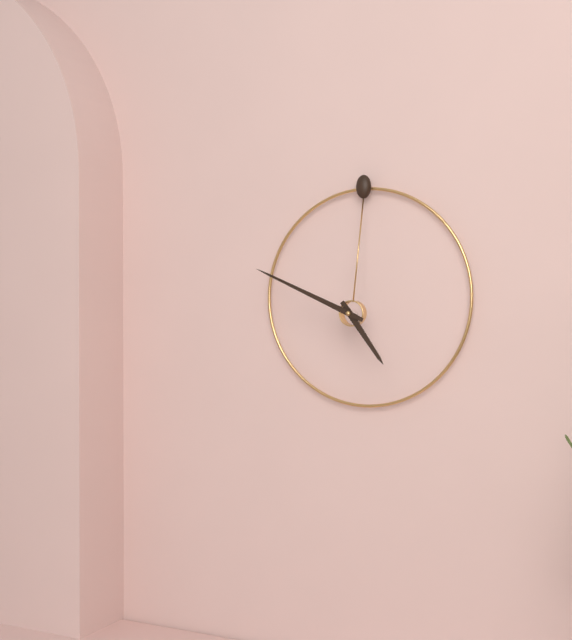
{"hour": 4, "minute": 49}
